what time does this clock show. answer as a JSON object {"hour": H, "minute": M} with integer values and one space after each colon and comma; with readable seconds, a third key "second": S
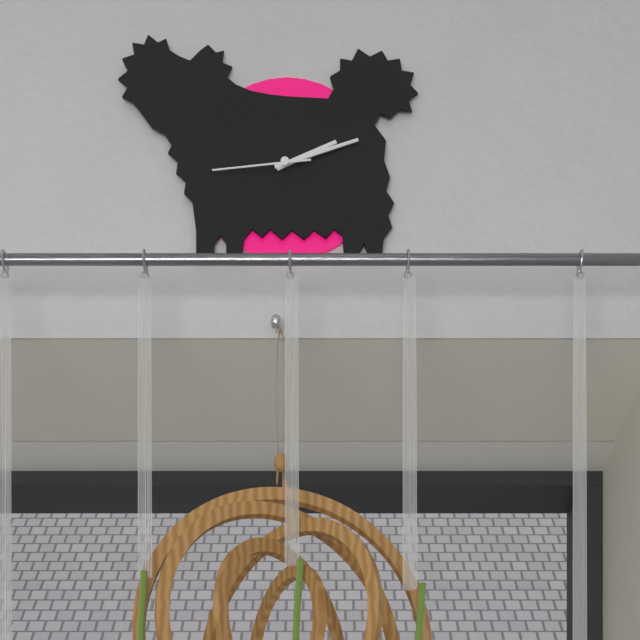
{"hour": 2, "minute": 12, "second": 44}
